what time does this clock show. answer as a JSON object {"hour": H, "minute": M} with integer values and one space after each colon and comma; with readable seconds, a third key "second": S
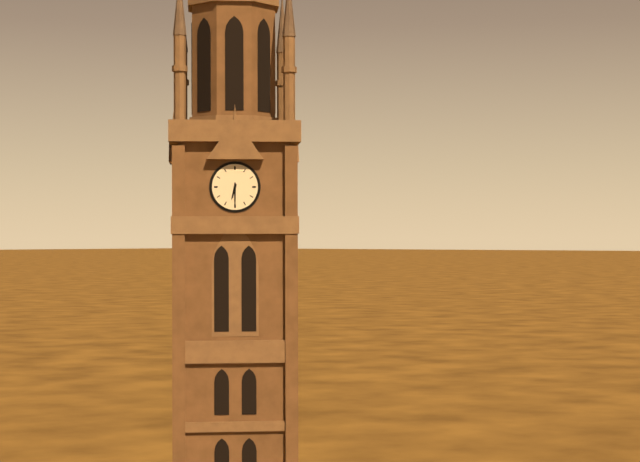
{"hour": 6, "minute": 30}
